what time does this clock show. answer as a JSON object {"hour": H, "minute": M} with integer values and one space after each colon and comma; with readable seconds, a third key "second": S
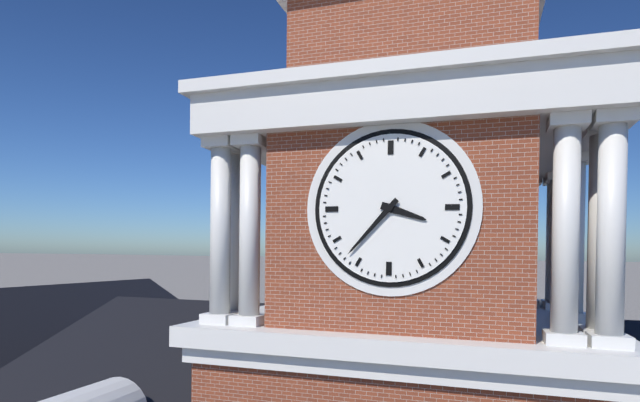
{"hour": 3, "minute": 37}
